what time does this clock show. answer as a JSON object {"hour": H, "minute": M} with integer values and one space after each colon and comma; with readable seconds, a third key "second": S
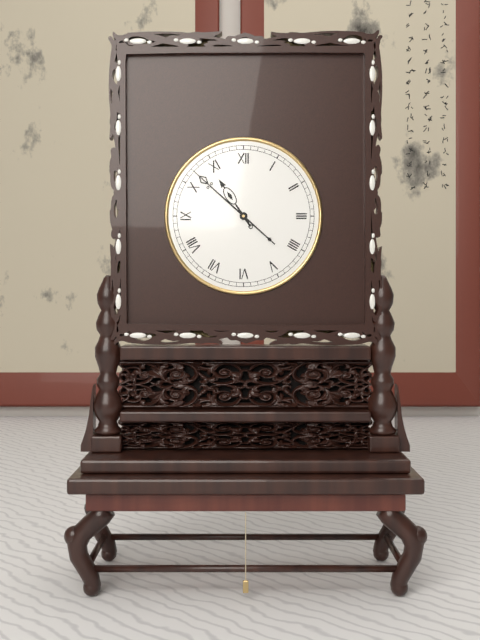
{"hour": 10, "minute": 52}
